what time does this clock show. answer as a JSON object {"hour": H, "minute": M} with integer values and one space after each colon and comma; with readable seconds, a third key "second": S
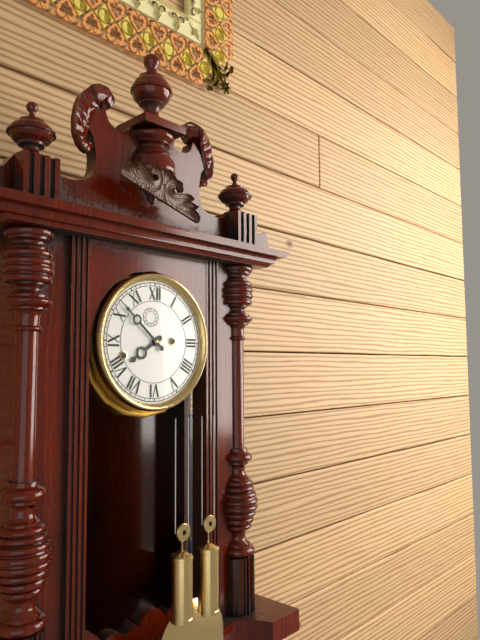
{"hour": 7, "minute": 52}
